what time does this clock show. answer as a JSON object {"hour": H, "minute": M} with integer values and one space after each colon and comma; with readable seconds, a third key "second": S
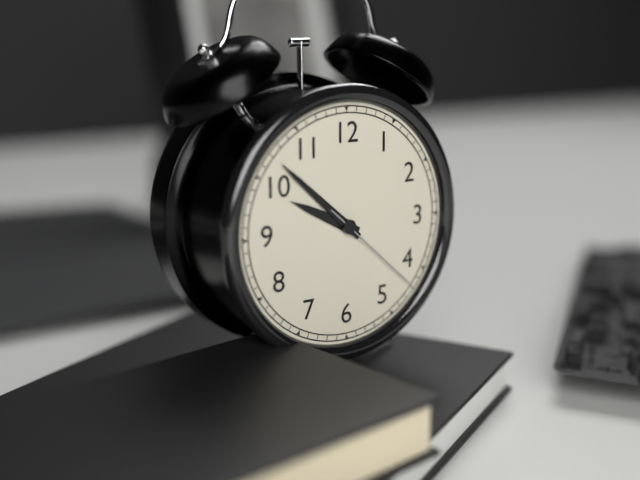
{"hour": 9, "minute": 52, "second": 22}
